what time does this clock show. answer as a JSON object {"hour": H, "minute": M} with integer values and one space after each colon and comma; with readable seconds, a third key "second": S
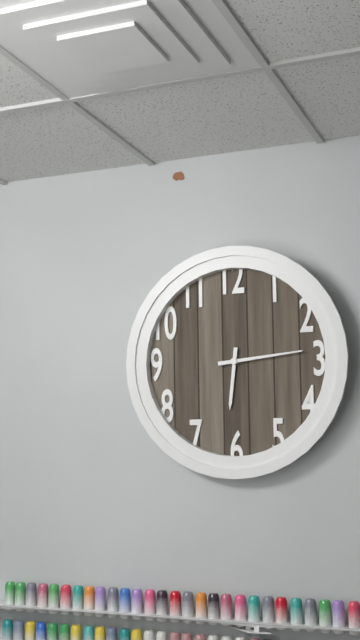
{"hour": 6, "minute": 14}
